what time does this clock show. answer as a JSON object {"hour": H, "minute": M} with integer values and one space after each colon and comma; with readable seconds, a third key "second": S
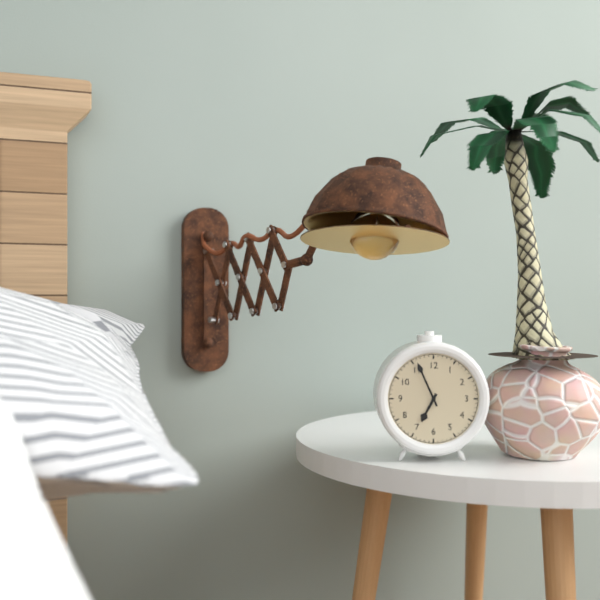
{"hour": 6, "minute": 56}
